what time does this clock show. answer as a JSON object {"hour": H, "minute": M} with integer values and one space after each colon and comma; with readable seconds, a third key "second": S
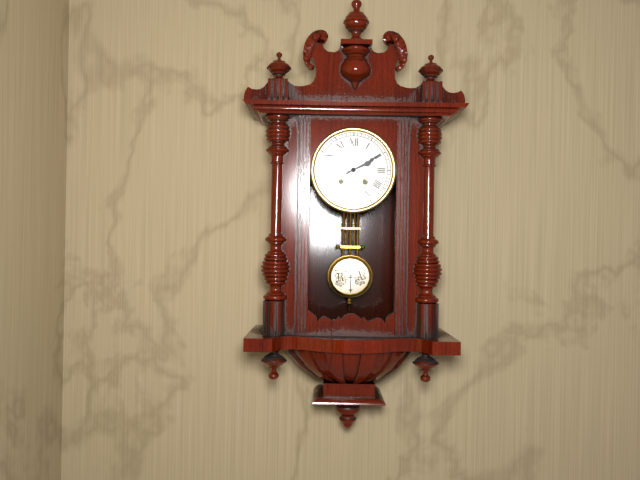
{"hour": 2, "minute": 10}
